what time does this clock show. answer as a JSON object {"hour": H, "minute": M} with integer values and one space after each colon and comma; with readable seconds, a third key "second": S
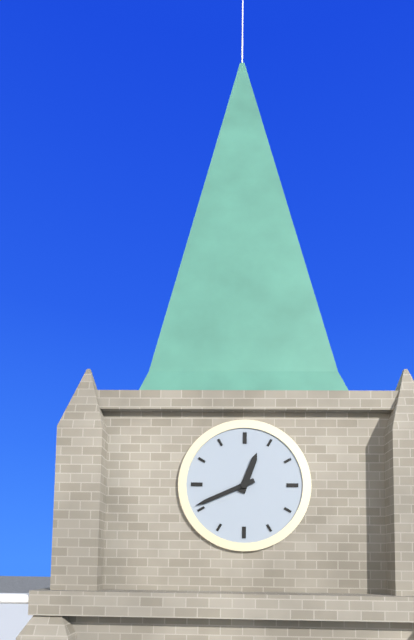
{"hour": 12, "minute": 41}
